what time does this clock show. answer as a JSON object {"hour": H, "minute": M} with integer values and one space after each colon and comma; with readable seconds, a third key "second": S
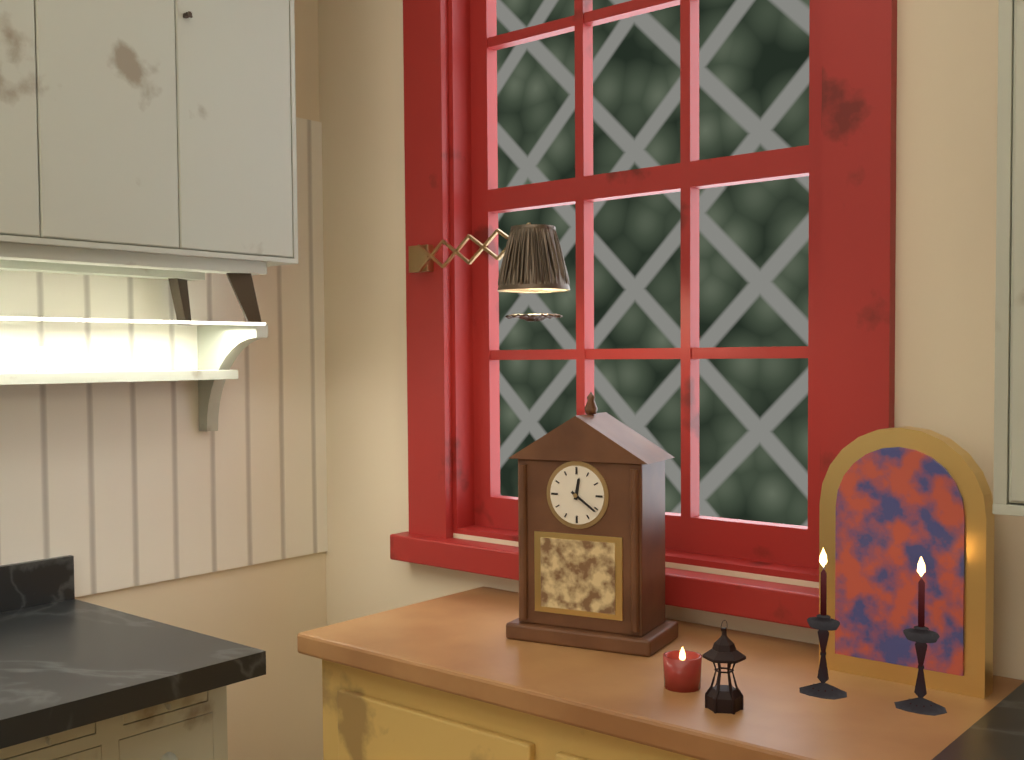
{"hour": 12, "minute": 21}
